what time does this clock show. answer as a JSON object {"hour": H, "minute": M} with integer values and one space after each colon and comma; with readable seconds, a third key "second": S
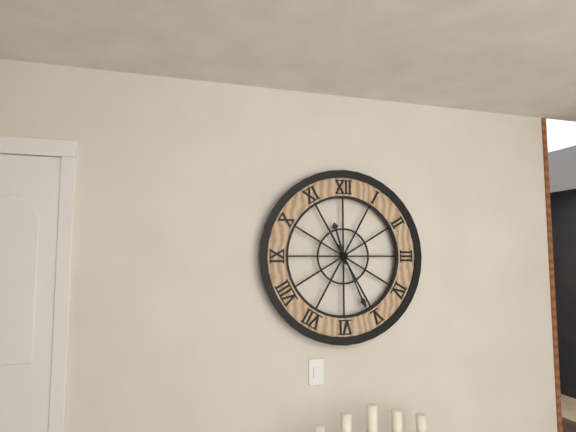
{"hour": 11, "minute": 26}
